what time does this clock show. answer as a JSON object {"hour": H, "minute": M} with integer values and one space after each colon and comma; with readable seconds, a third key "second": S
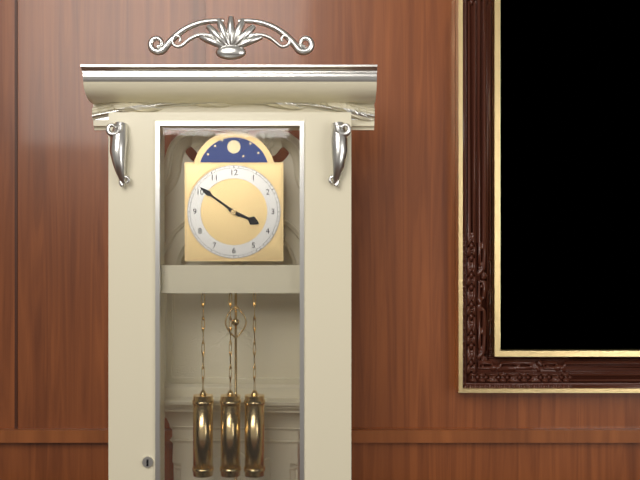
{"hour": 3, "minute": 51}
